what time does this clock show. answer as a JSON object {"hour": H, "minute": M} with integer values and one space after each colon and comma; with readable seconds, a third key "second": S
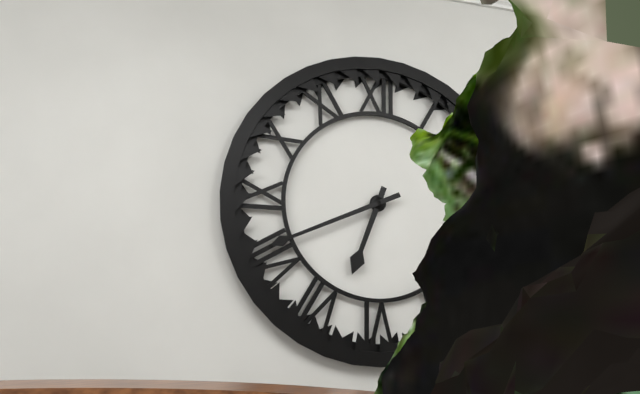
{"hour": 6, "minute": 41}
